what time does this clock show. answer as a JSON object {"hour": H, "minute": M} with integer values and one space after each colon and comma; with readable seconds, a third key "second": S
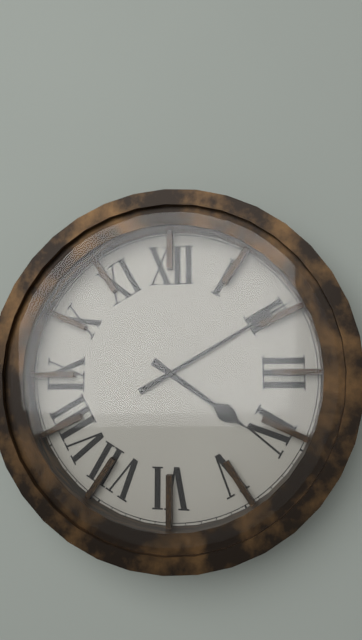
{"hour": 4, "minute": 10}
